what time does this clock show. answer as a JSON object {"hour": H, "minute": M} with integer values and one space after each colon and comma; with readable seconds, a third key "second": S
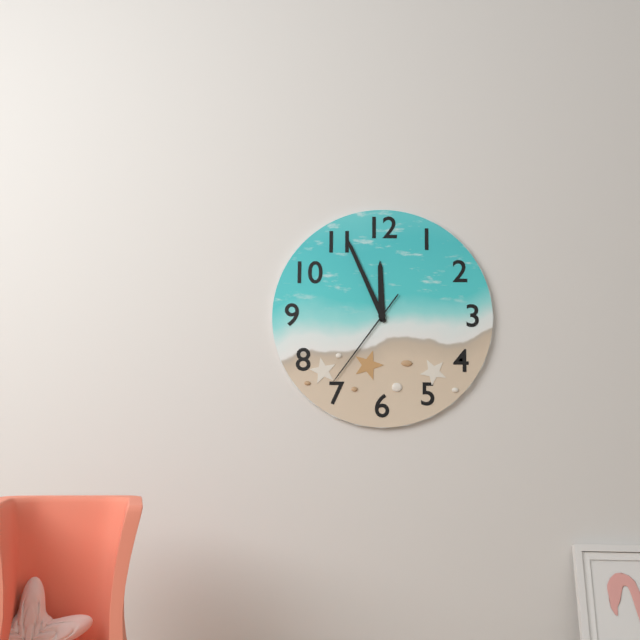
{"hour": 11, "minute": 56, "second": 36}
